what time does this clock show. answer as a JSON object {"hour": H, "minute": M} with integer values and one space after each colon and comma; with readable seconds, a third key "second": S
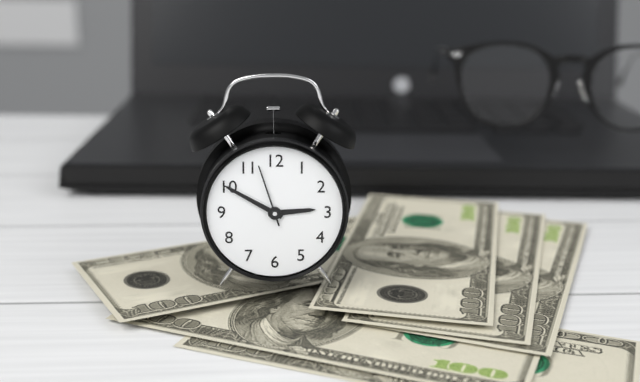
{"hour": 2, "minute": 50, "second": 57}
